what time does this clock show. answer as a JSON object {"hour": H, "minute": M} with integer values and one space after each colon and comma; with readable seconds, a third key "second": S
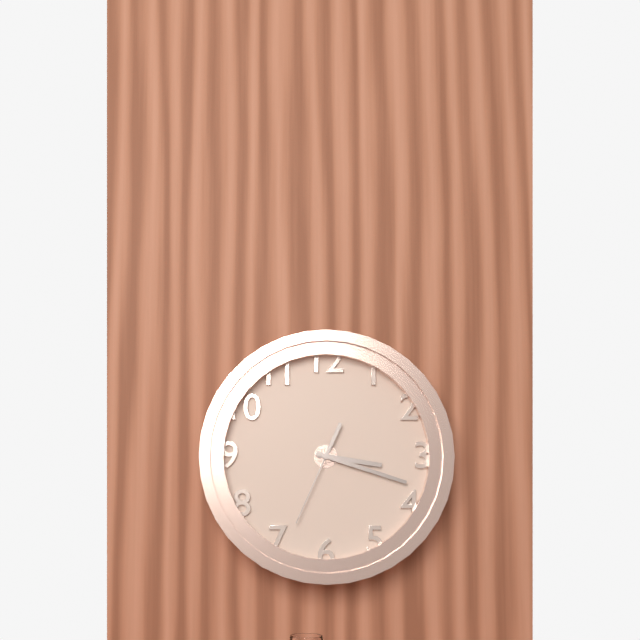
{"hour": 3, "minute": 18, "second": 34}
